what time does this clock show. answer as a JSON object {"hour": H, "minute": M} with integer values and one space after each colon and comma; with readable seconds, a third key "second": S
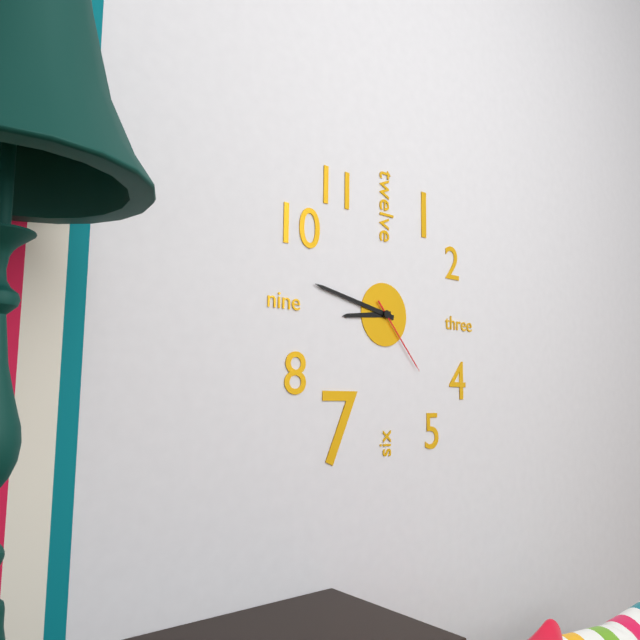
{"hour": 8, "minute": 47, "second": 23}
